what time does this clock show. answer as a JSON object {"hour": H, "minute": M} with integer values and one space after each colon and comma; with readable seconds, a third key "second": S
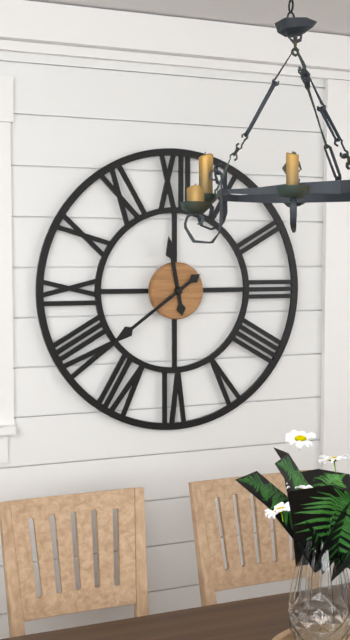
{"hour": 11, "minute": 39}
